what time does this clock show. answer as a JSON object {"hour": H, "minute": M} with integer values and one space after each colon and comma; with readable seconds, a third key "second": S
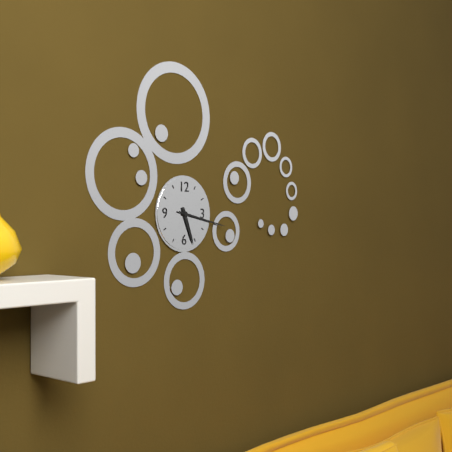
{"hour": 5, "minute": 17}
